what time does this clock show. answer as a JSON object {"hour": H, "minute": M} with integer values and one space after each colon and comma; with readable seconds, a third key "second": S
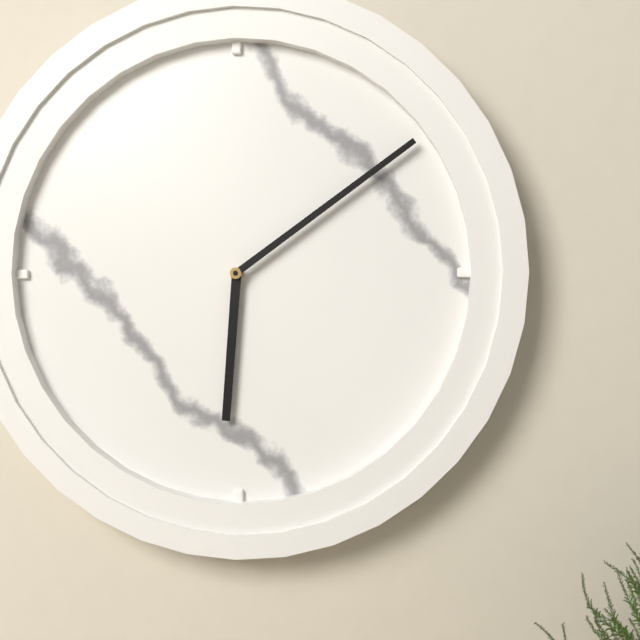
{"hour": 6, "minute": 9}
